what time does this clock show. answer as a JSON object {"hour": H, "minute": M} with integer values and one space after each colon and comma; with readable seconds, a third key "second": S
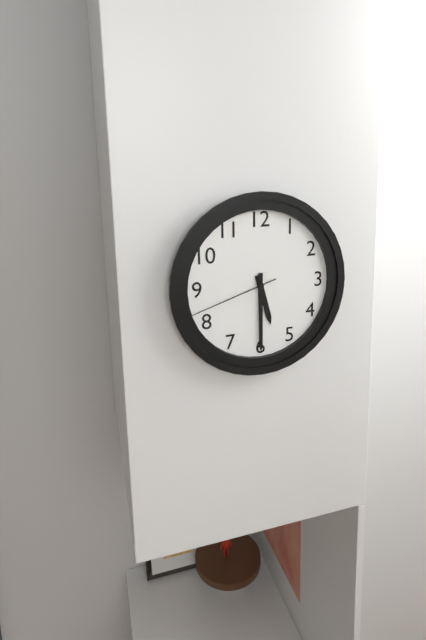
{"hour": 5, "minute": 30, "second": 42}
